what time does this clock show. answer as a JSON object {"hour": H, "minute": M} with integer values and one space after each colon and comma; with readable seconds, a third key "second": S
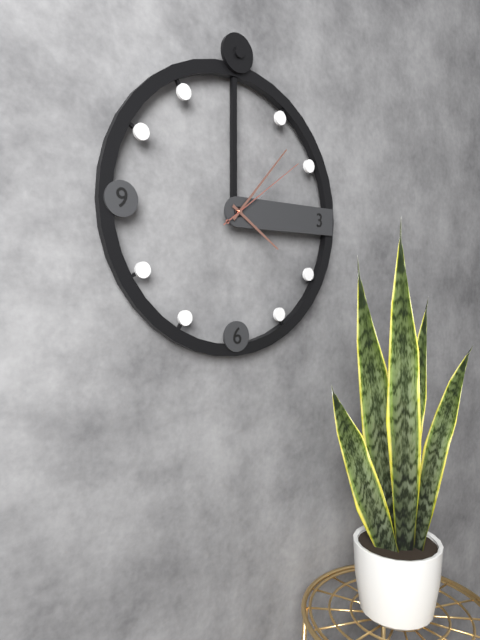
{"hour": 4, "minute": 7, "second": 9}
